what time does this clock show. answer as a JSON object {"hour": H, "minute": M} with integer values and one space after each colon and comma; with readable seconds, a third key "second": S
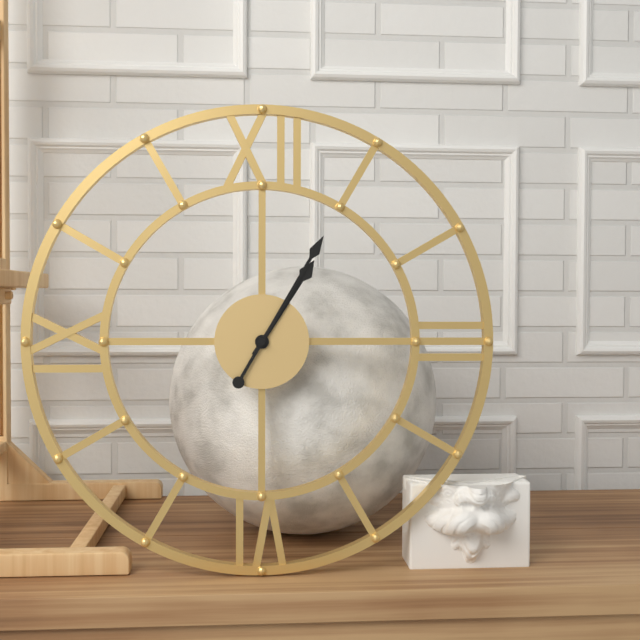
{"hour": 1, "minute": 5}
